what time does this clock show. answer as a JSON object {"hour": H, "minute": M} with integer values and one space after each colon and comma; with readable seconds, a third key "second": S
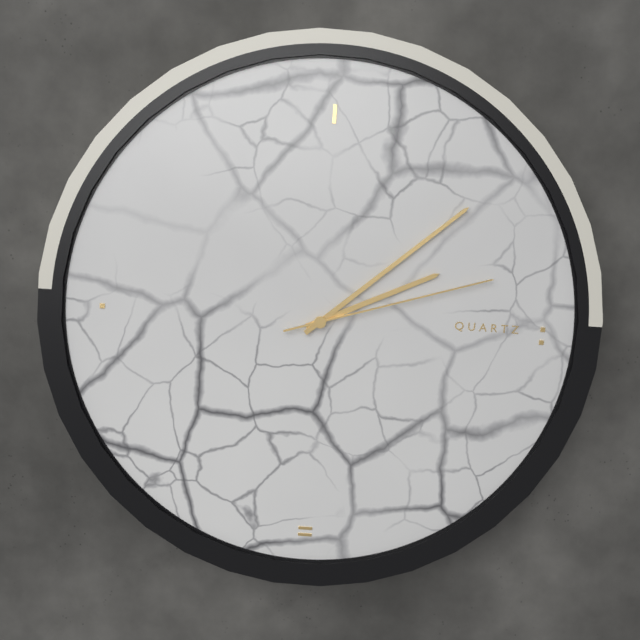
{"hour": 2, "minute": 8, "second": 12}
